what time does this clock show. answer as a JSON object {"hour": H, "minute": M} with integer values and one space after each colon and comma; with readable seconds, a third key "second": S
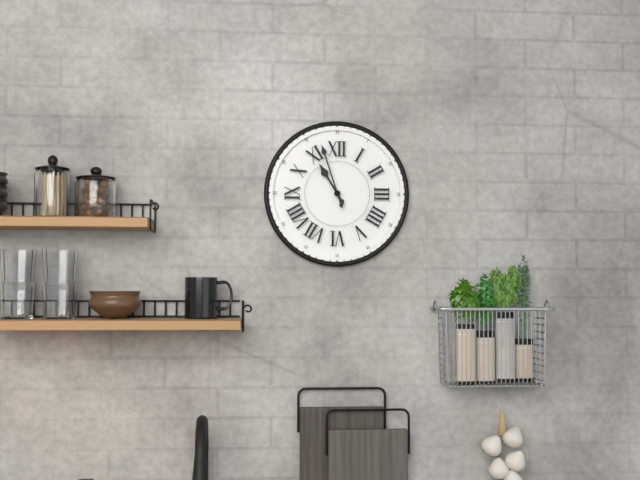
{"hour": 10, "minute": 57}
